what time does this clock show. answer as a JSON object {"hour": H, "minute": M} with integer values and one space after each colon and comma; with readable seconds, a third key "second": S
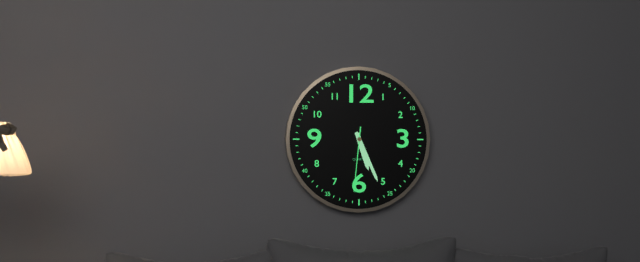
{"hour": 5, "minute": 26, "second": 31}
